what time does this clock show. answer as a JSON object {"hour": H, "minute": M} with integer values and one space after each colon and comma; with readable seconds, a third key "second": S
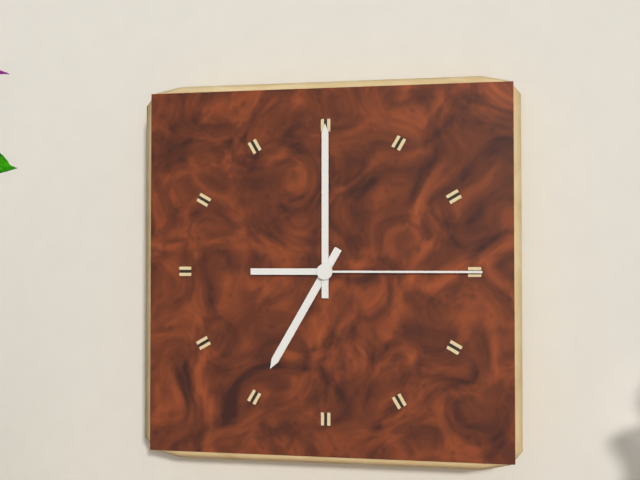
{"hour": 7, "minute": 0, "second": 15}
